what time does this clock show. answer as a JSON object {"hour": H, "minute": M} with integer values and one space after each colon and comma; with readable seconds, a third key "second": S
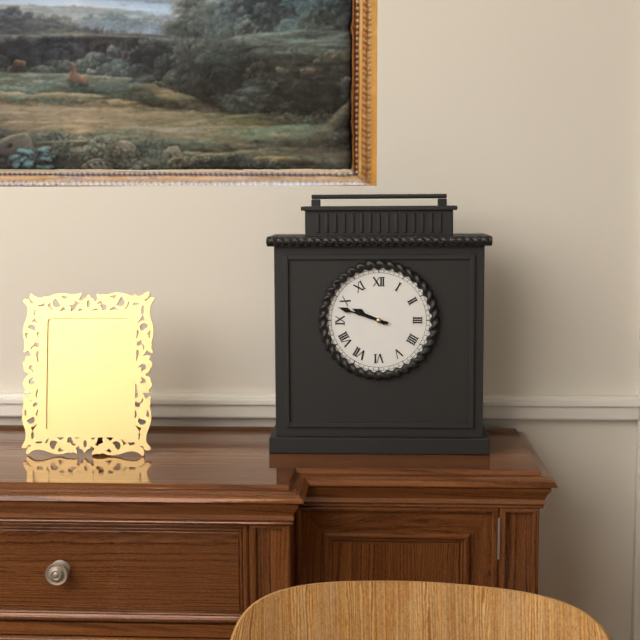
{"hour": 9, "minute": 48}
